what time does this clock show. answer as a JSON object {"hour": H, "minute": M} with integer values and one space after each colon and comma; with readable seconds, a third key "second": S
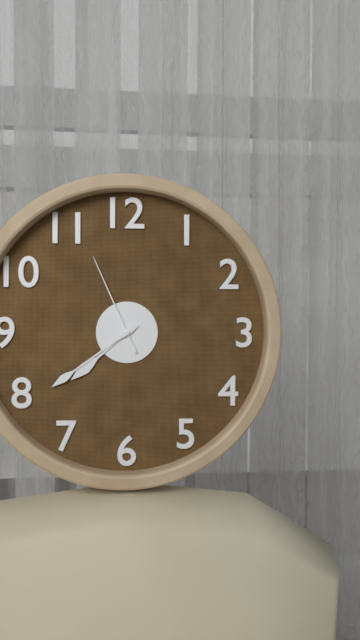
{"hour": 7, "minute": 39, "second": 56}
